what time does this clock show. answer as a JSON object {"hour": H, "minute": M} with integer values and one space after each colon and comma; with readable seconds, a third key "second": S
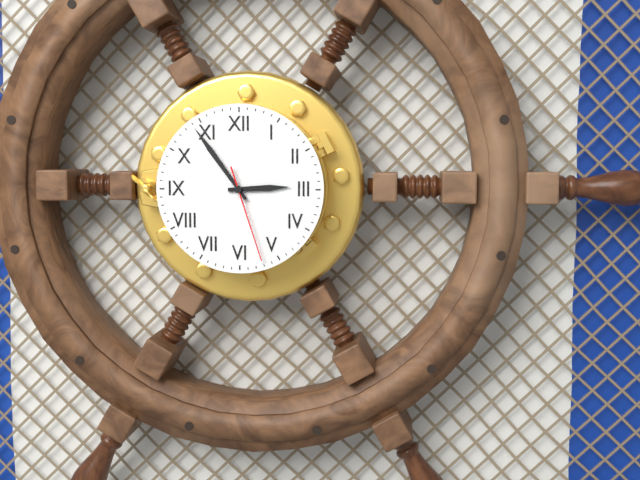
{"hour": 2, "minute": 54, "second": 27}
